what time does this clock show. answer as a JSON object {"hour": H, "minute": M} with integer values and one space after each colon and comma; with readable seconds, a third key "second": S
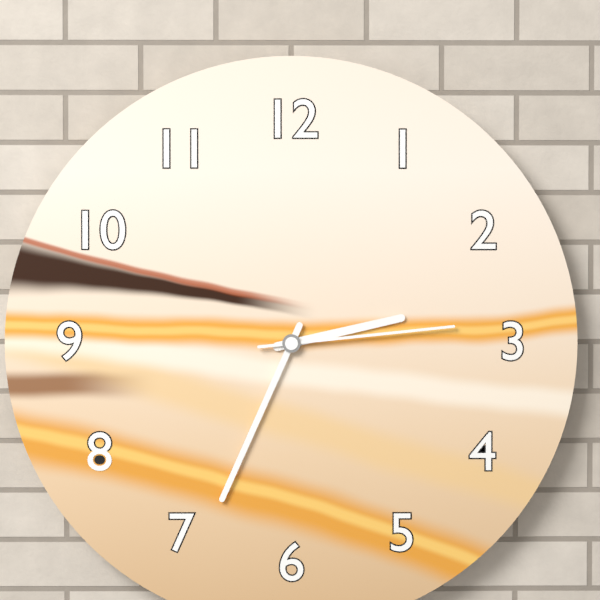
{"hour": 2, "minute": 34, "second": 14}
